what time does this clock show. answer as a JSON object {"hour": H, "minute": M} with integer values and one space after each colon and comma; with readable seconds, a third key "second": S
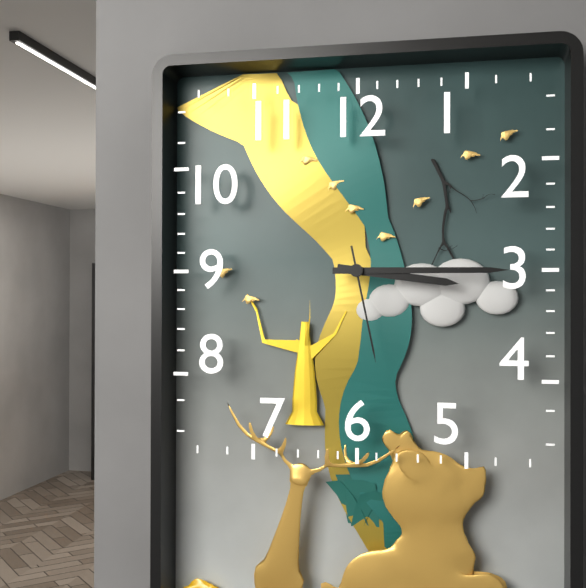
{"hour": 3, "minute": 15, "second": 28}
